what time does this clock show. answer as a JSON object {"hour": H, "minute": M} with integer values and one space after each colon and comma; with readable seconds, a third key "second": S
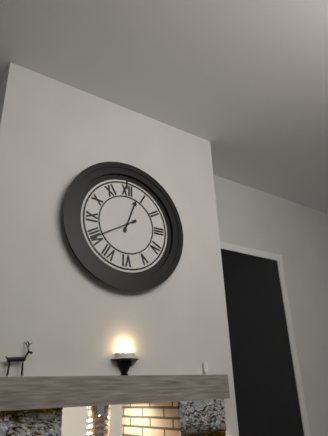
{"hour": 12, "minute": 40}
